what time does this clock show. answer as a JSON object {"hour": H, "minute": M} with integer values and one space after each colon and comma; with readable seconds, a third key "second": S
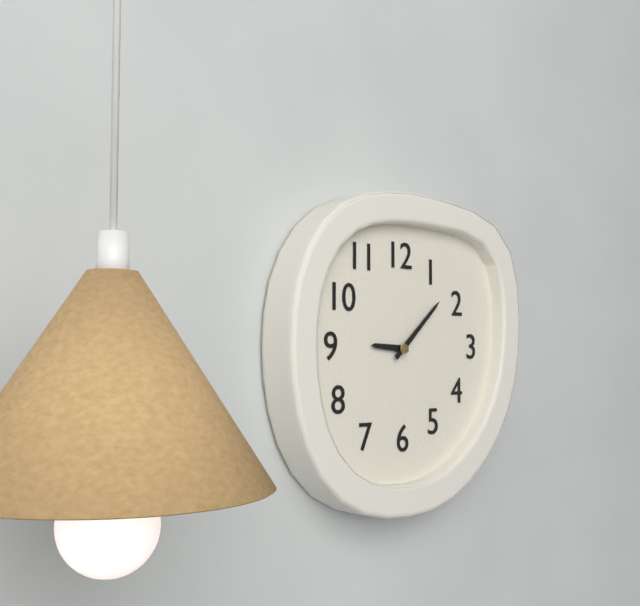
{"hour": 9, "minute": 8}
